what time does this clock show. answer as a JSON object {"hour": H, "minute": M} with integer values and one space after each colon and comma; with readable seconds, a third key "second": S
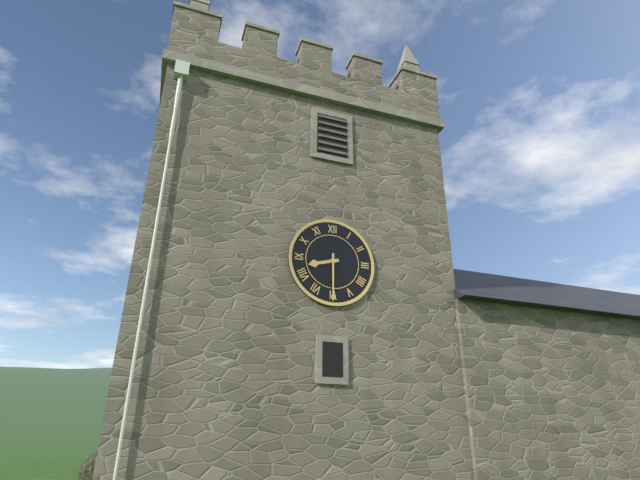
{"hour": 8, "minute": 30}
